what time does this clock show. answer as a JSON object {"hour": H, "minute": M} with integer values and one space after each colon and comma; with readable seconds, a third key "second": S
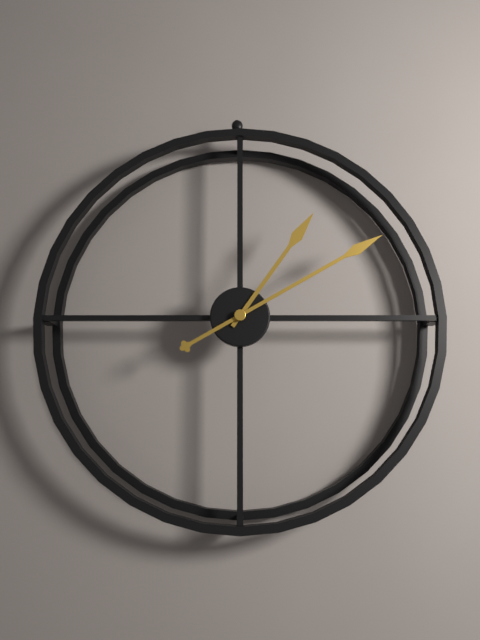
{"hour": 1, "minute": 10}
